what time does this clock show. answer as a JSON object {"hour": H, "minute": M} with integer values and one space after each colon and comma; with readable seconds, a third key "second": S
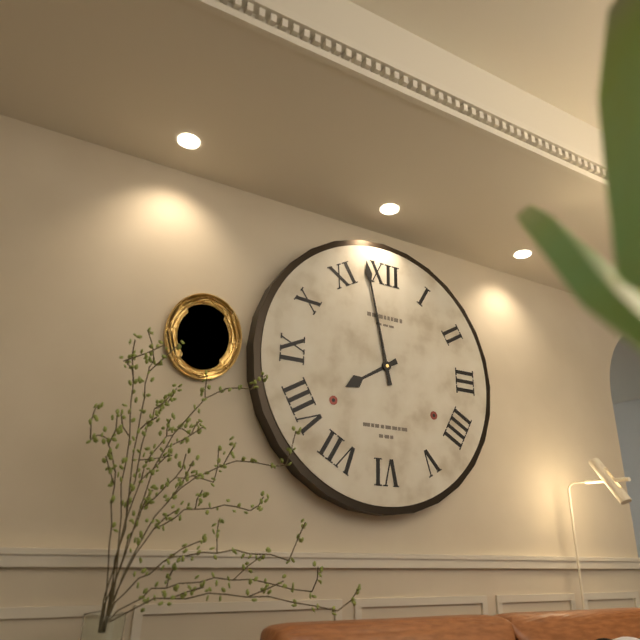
{"hour": 7, "minute": 58}
